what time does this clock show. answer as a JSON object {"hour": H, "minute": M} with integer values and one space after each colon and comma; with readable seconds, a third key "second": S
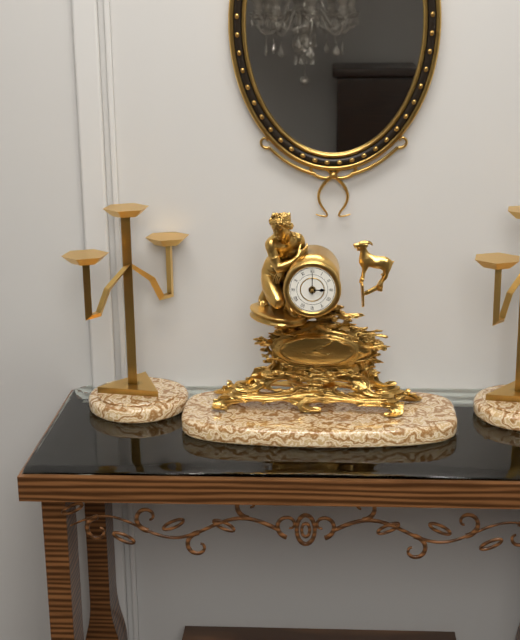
{"hour": 3, "minute": 0}
